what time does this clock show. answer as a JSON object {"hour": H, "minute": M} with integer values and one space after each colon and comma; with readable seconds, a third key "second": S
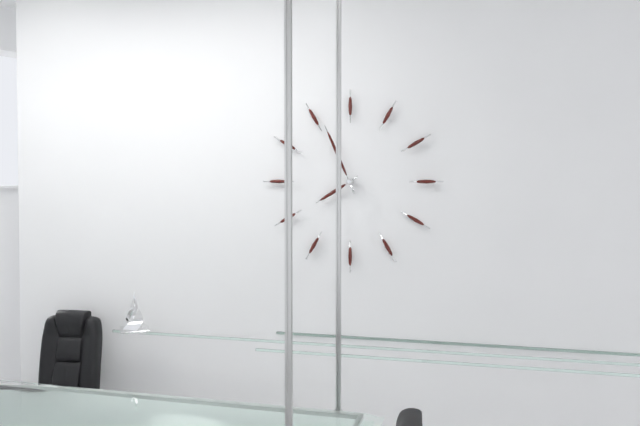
{"hour": 7, "minute": 56}
